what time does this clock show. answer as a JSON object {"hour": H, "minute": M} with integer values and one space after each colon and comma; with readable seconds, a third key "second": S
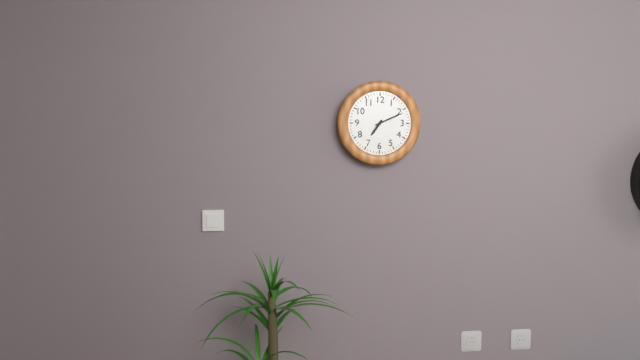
{"hour": 7, "minute": 11}
